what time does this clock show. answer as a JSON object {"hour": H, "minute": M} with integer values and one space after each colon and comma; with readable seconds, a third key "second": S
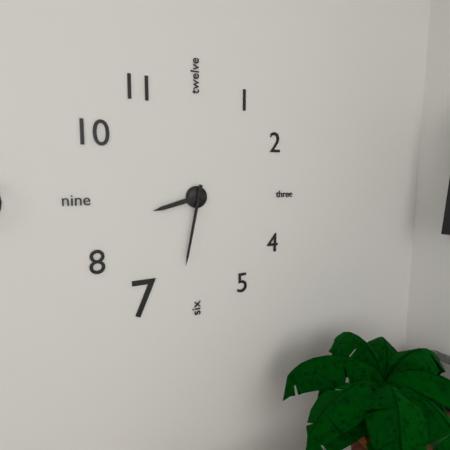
{"hour": 8, "minute": 32}
